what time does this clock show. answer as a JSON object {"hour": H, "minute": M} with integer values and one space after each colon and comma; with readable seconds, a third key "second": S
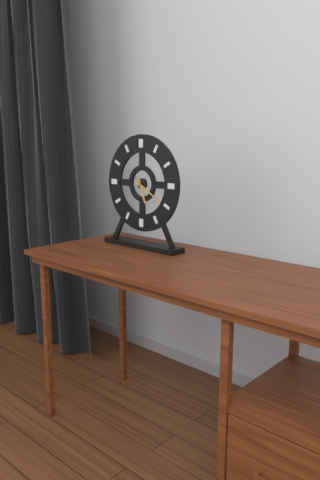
{"hour": 5, "minute": 20}
